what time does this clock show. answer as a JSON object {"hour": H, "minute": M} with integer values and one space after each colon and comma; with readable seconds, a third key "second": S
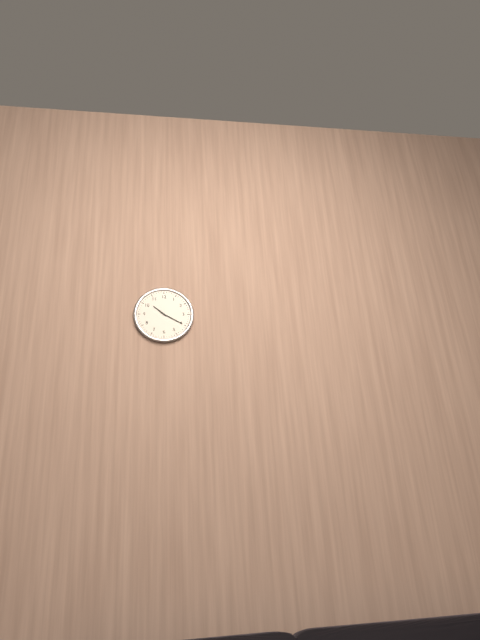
{"hour": 10, "minute": 20}
